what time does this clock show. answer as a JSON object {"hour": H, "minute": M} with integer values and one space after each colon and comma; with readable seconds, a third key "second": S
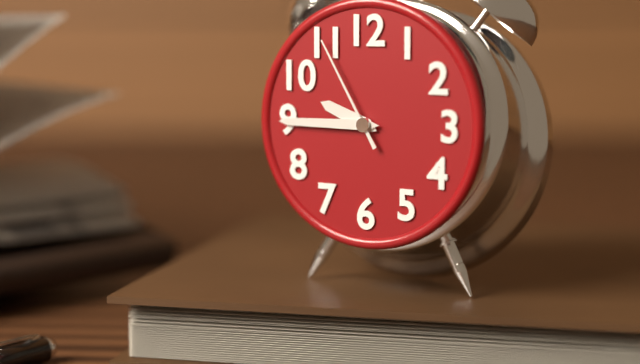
{"hour": 9, "minute": 45, "second": 55}
